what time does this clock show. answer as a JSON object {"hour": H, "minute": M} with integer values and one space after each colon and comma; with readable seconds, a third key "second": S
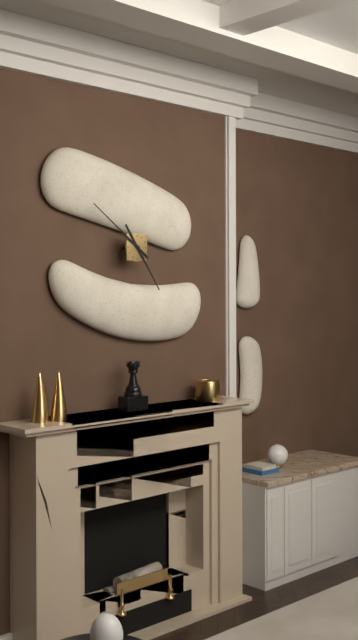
{"hour": 4, "minute": 51}
